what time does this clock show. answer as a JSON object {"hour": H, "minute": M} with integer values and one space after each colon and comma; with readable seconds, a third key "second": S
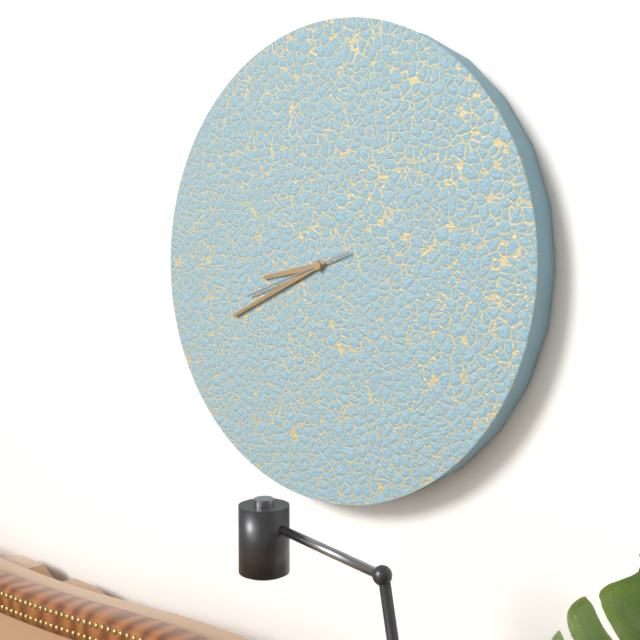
{"hour": 8, "minute": 41, "second": 42}
